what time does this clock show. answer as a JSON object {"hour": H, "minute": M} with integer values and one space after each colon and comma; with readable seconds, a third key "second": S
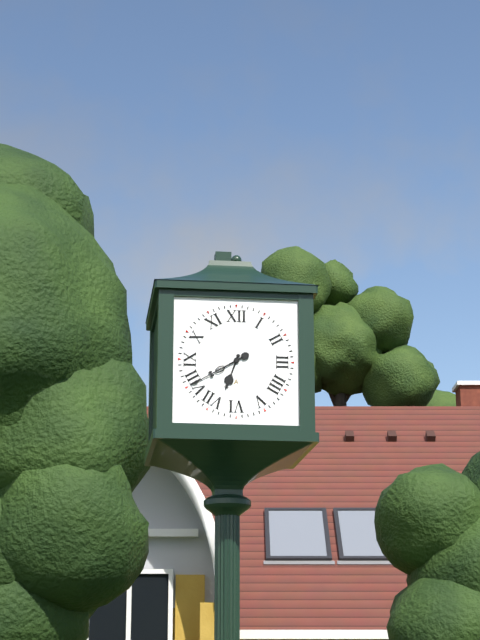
{"hour": 6, "minute": 40}
